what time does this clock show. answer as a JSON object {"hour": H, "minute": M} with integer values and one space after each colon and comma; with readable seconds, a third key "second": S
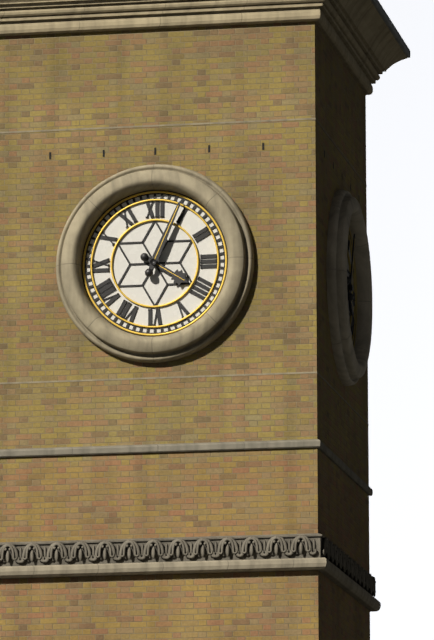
{"hour": 4, "minute": 4}
